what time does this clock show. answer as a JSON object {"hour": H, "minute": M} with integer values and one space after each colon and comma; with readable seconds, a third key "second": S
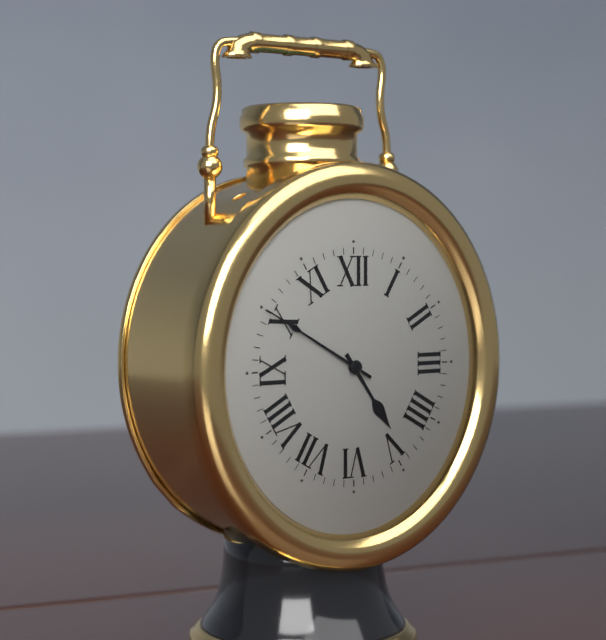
{"hour": 4, "minute": 50}
